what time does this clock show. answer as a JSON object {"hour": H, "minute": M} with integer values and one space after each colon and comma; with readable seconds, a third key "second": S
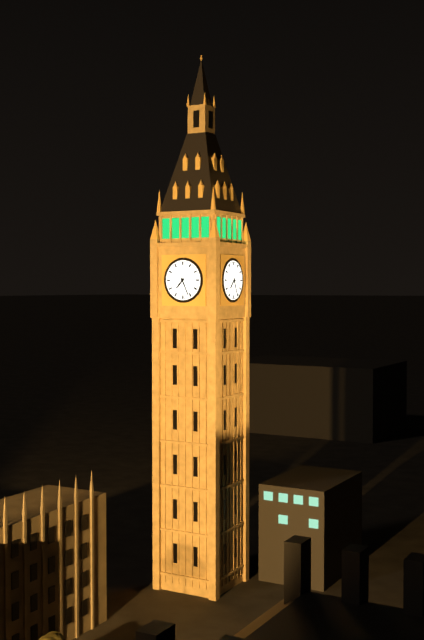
{"hour": 7, "minute": 26}
